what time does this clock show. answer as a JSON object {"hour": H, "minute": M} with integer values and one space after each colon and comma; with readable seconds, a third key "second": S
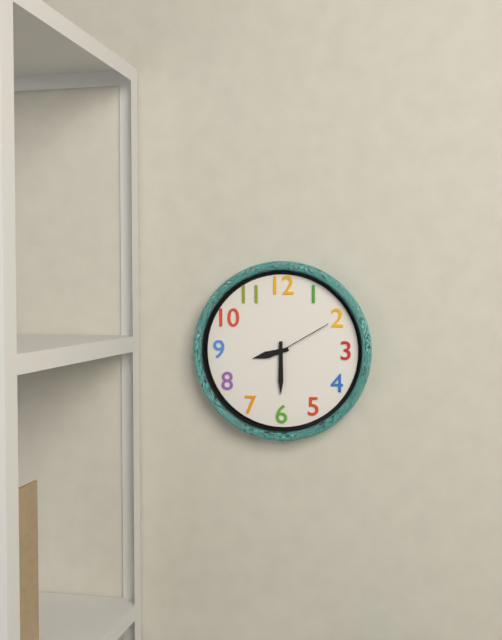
{"hour": 8, "minute": 30, "second": 10}
